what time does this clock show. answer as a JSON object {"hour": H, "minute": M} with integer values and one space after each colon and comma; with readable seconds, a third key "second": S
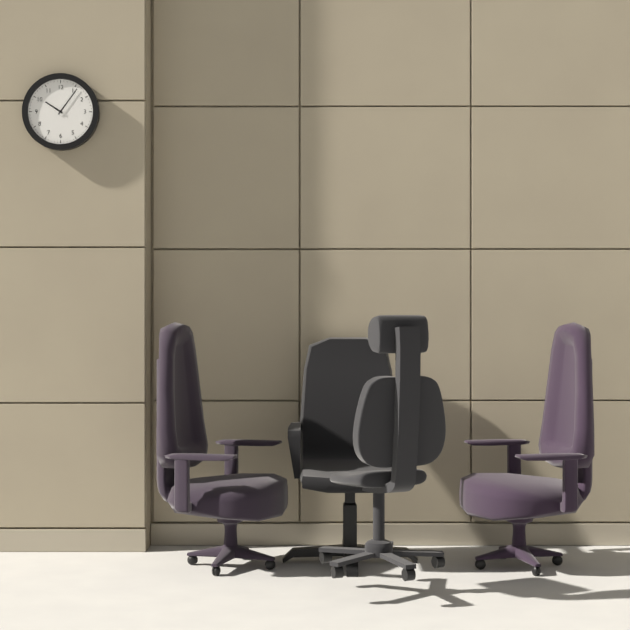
{"hour": 10, "minute": 6}
